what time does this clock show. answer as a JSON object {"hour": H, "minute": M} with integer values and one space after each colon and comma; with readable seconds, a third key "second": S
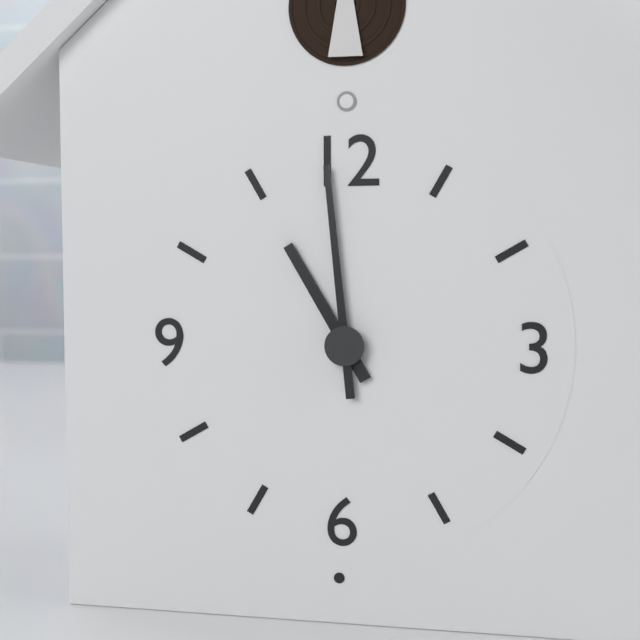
{"hour": 10, "minute": 59}
